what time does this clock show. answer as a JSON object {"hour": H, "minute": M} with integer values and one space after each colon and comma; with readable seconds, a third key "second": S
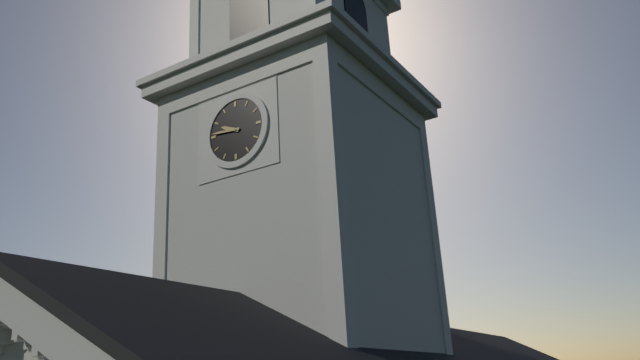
{"hour": 9, "minute": 46}
